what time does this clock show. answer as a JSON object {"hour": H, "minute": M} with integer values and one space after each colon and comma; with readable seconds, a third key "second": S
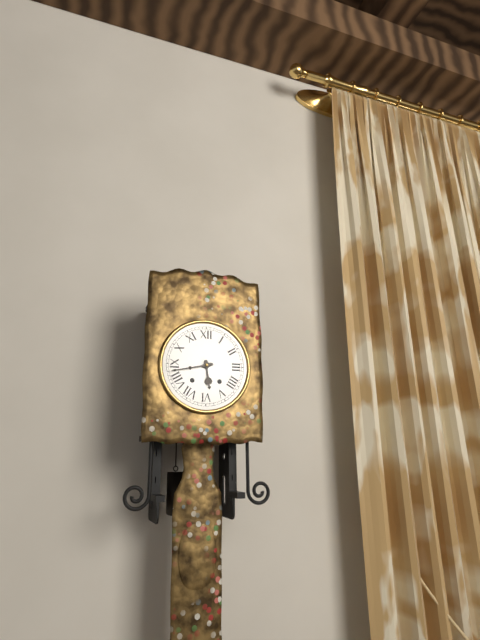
{"hour": 5, "minute": 43}
